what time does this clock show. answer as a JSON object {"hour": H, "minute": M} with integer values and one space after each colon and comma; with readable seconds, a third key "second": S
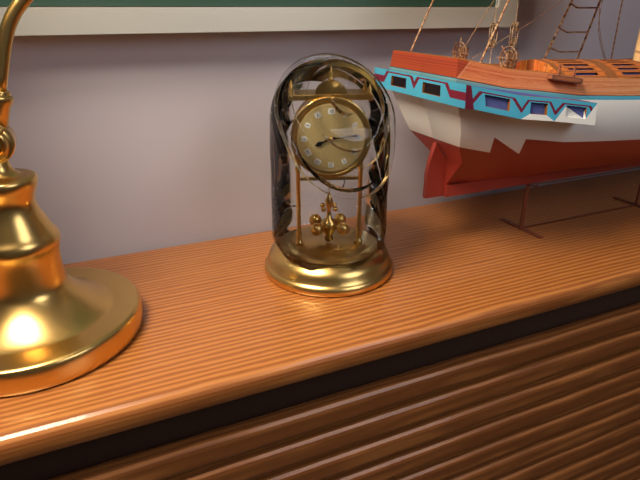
{"hour": 8, "minute": 14}
